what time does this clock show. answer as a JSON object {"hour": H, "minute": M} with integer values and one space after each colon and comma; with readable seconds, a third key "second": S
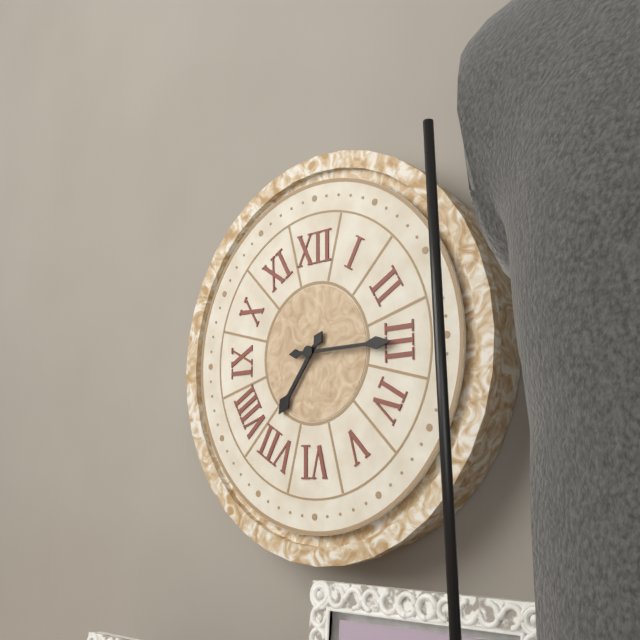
{"hour": 7, "minute": 15}
